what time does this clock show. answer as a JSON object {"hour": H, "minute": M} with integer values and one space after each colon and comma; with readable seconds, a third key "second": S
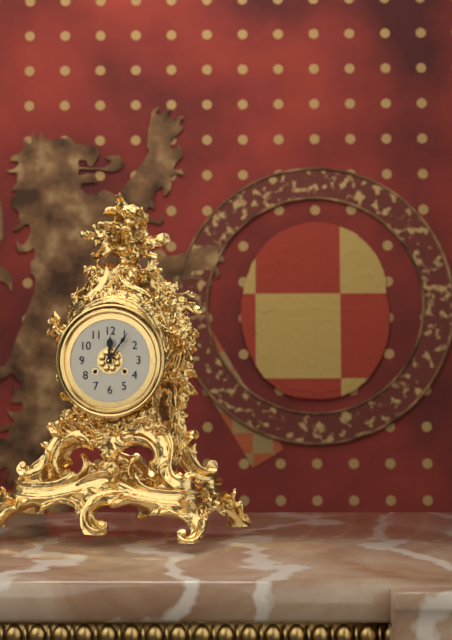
{"hour": 12, "minute": 6}
